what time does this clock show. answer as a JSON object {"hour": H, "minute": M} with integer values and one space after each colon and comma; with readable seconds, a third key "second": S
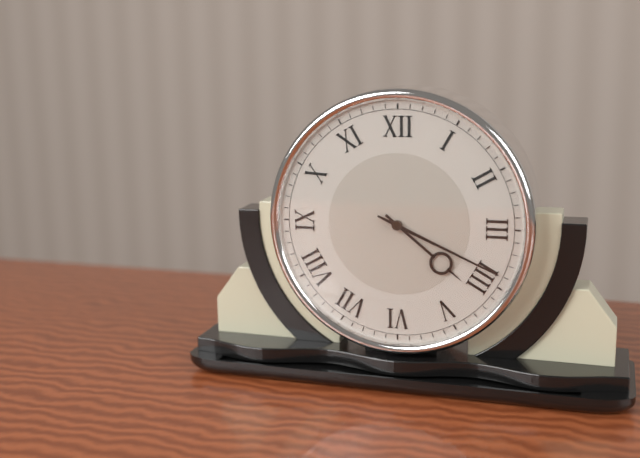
{"hour": 4, "minute": 19}
